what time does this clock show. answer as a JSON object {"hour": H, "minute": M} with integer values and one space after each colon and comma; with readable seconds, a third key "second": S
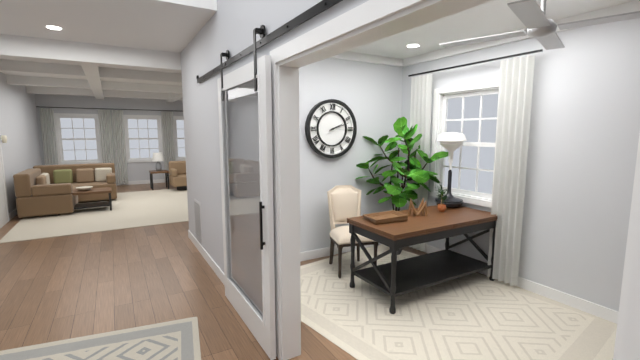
{"hour": 2, "minute": 12}
